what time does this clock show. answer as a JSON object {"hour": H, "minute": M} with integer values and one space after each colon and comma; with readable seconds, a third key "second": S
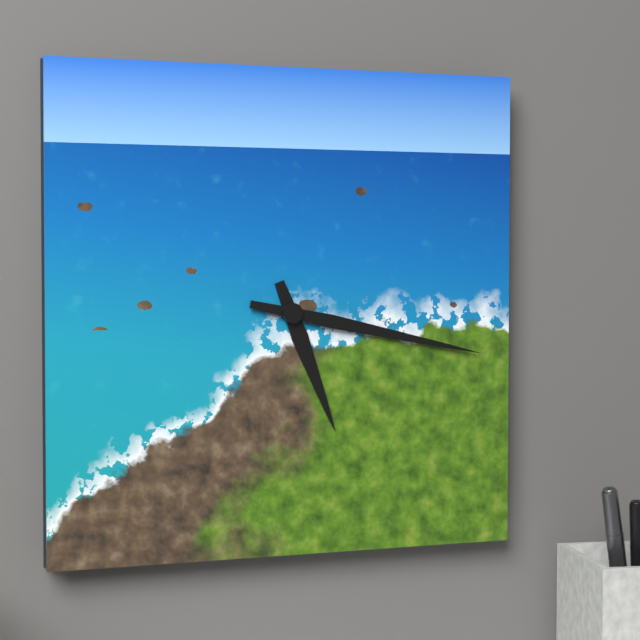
{"hour": 5, "minute": 17}
